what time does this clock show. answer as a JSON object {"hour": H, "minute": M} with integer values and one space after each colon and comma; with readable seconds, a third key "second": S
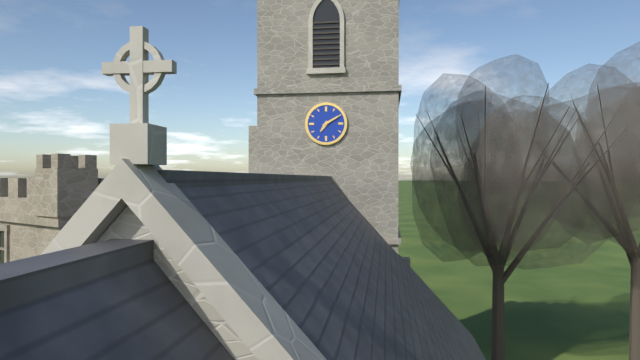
{"hour": 7, "minute": 10}
